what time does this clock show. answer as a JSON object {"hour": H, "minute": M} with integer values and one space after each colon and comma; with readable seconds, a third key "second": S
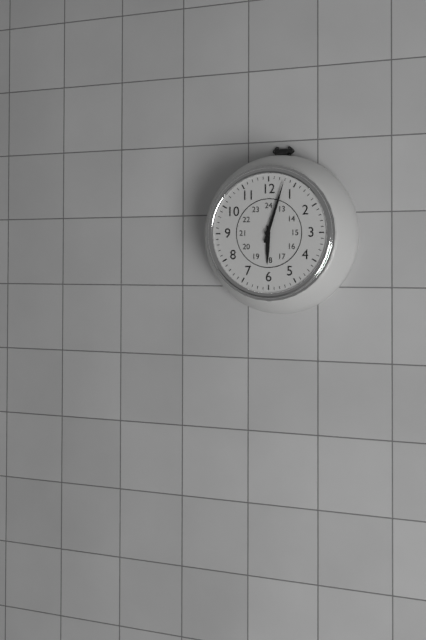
{"hour": 6, "minute": 3}
